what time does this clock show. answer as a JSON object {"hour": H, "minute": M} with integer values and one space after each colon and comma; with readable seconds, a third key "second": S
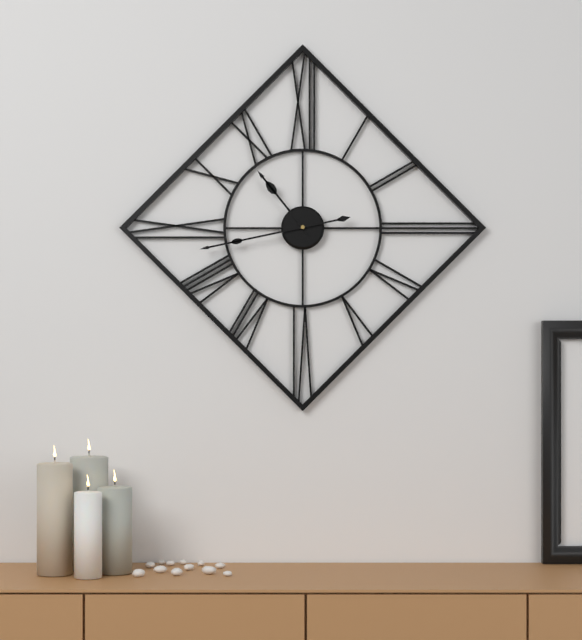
{"hour": 10, "minute": 43}
